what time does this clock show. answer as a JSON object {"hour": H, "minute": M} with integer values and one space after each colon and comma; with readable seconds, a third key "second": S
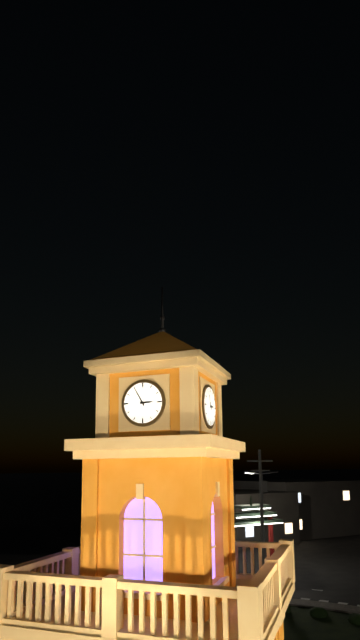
{"hour": 2, "minute": 55}
